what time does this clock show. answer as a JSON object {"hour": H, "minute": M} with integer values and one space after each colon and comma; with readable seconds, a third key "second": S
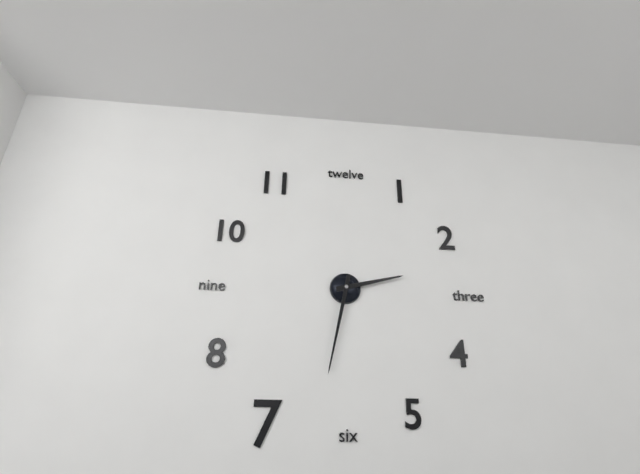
{"hour": 2, "minute": 32}
